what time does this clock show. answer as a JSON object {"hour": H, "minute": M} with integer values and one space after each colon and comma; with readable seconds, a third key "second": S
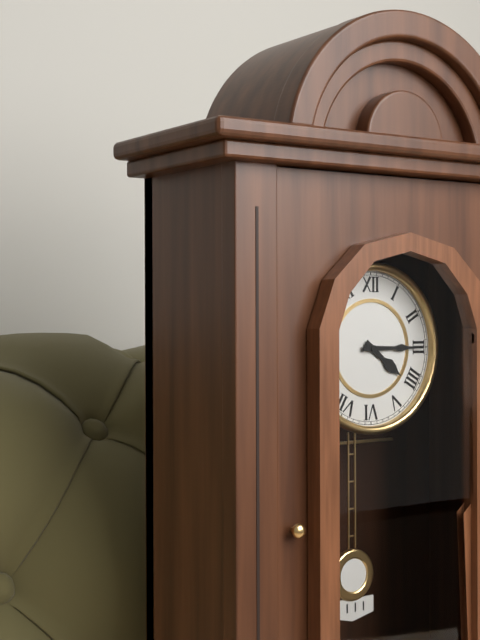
{"hour": 4, "minute": 15}
